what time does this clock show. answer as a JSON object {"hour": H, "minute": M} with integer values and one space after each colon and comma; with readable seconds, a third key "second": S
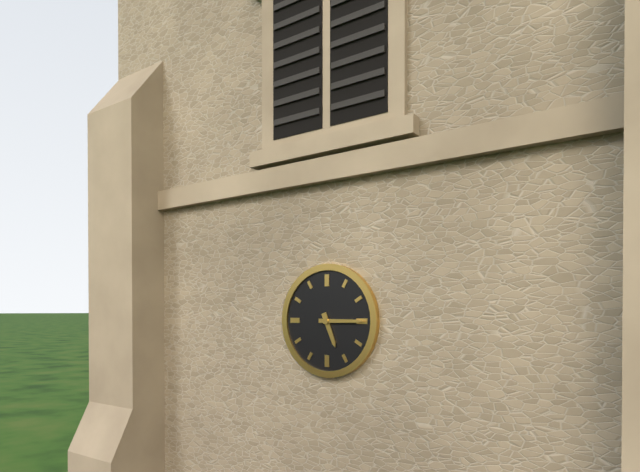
{"hour": 5, "minute": 15}
